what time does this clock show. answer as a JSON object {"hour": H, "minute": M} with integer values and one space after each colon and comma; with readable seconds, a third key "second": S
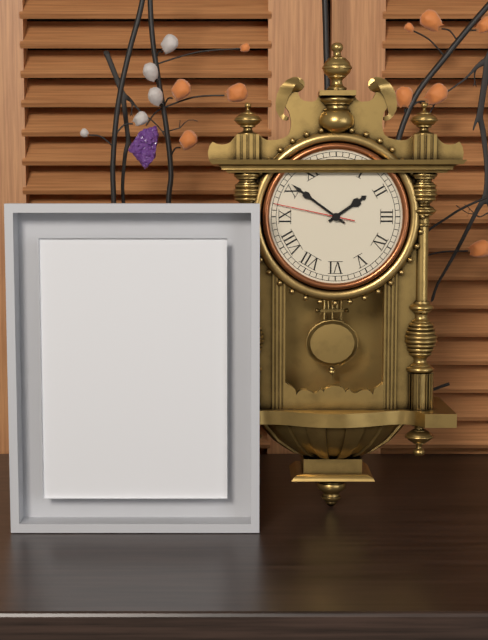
{"hour": 1, "minute": 51, "second": 47}
